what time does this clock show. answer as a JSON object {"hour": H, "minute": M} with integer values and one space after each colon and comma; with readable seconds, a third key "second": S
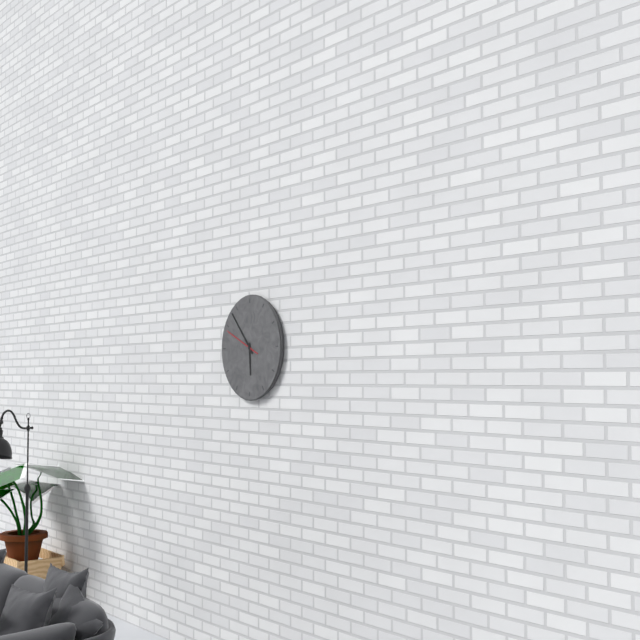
{"hour": 5, "minute": 53}
